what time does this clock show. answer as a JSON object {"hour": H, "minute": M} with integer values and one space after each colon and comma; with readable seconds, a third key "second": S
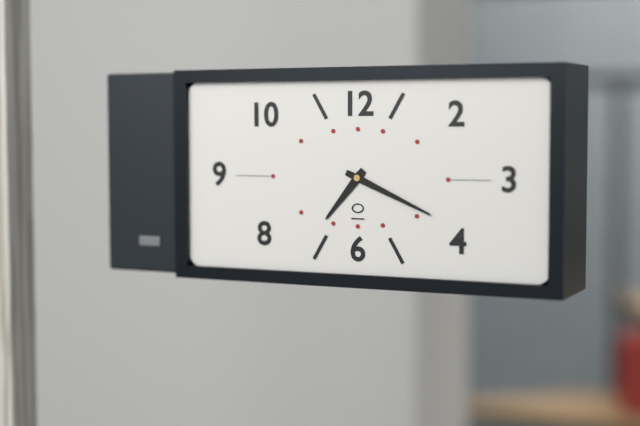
{"hour": 7, "minute": 19}
